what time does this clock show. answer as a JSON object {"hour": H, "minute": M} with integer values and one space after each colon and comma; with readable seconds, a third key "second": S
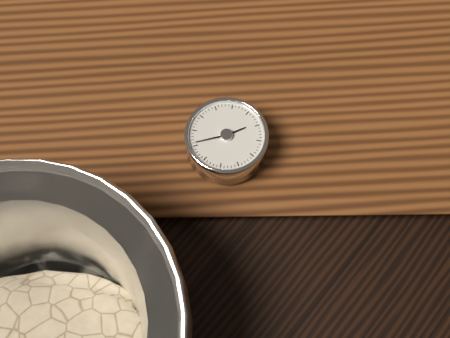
{"hour": 3, "minute": 51}
